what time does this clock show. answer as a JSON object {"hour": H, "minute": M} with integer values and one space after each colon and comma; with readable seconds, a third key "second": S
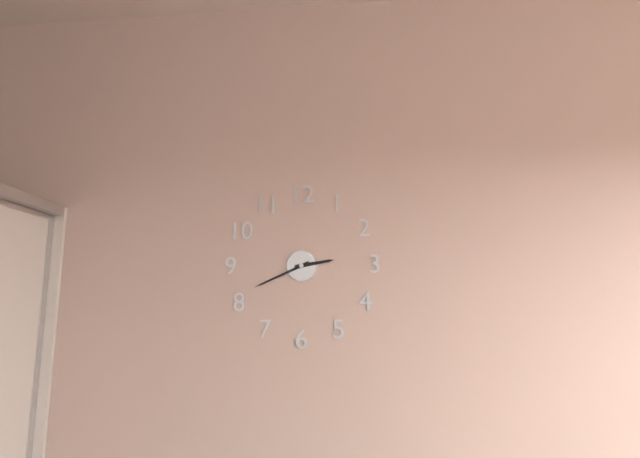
{"hour": 2, "minute": 41}
